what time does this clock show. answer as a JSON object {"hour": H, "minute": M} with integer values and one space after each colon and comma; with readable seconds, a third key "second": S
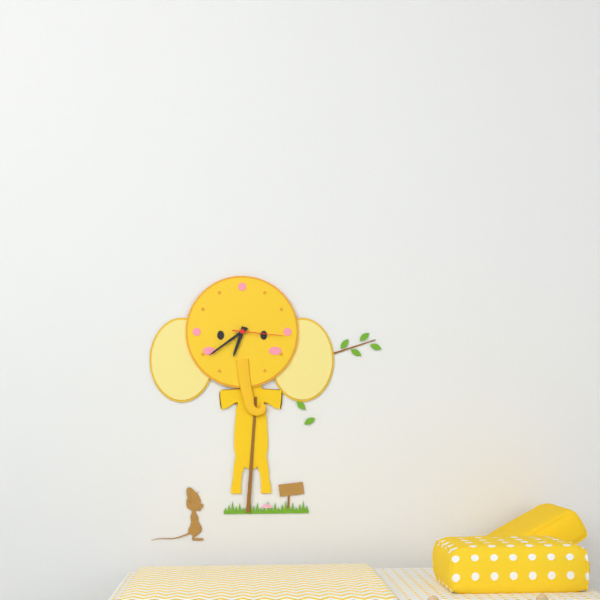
{"hour": 6, "minute": 39, "second": 16}
